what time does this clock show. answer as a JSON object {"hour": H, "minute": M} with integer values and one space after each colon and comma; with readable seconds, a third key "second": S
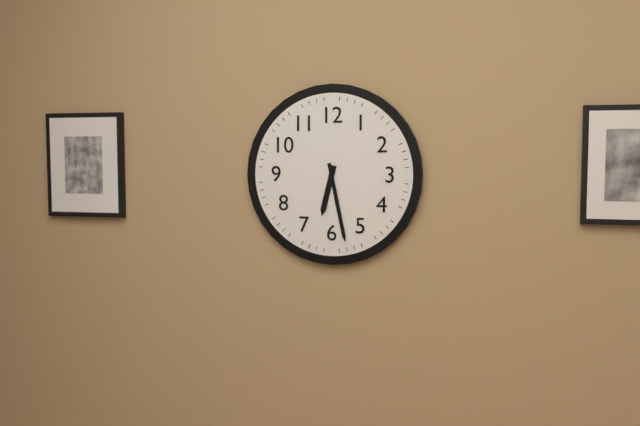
{"hour": 6, "minute": 28}
